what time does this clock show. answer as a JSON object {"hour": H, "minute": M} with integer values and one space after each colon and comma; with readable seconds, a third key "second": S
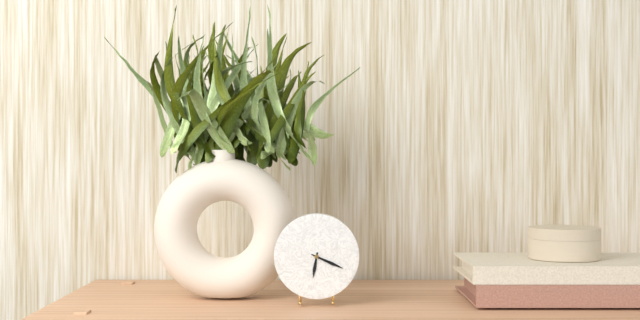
{"hour": 6, "minute": 19}
